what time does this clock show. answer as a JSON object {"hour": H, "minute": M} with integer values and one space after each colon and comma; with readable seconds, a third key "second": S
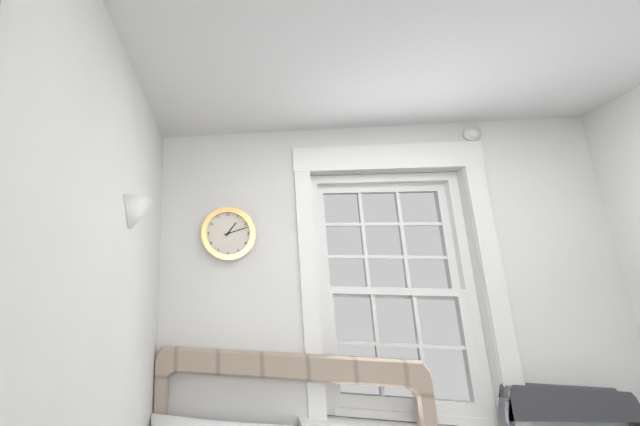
{"hour": 1, "minute": 12}
